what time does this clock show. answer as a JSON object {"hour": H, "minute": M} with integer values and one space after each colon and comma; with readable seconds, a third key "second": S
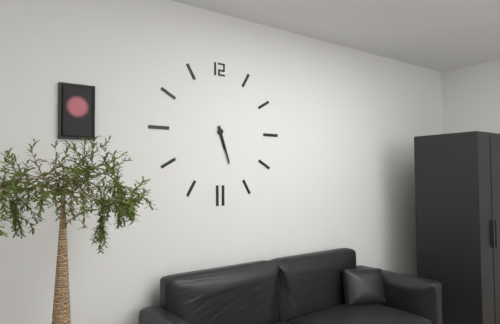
{"hour": 5, "minute": 27}
